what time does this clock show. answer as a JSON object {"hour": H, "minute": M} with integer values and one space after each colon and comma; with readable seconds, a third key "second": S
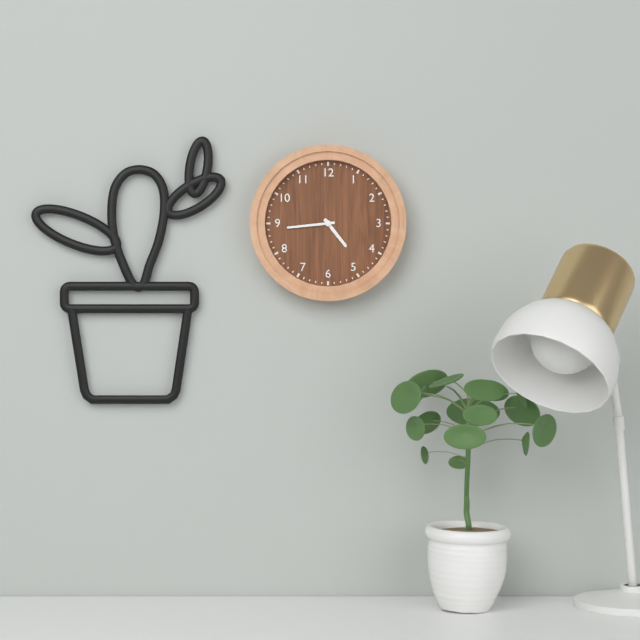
{"hour": 4, "minute": 44}
